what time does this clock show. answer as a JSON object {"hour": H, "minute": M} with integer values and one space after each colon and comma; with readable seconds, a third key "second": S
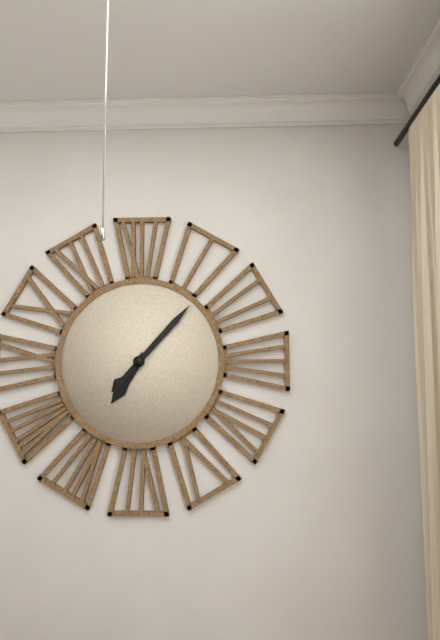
{"hour": 7, "minute": 7}
